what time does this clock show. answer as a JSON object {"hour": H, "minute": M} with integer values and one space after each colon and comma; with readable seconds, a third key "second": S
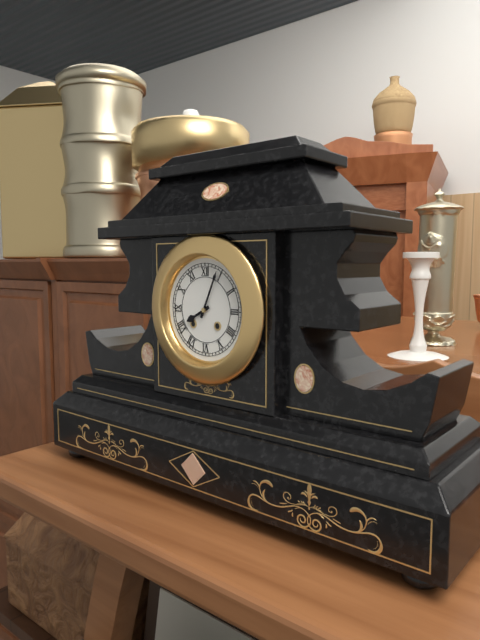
{"hour": 8, "minute": 4}
